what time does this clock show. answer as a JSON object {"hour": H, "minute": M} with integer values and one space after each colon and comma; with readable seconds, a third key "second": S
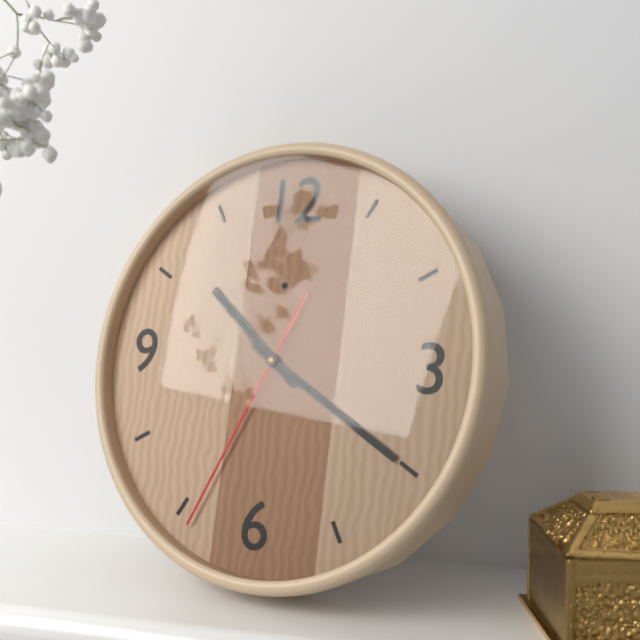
{"hour": 10, "minute": 20, "second": 34}
